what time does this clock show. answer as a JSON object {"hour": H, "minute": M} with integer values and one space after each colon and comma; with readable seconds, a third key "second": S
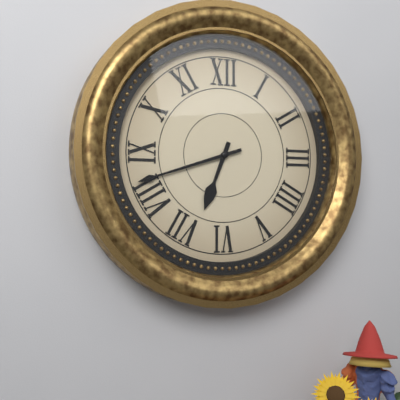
{"hour": 6, "minute": 42}
